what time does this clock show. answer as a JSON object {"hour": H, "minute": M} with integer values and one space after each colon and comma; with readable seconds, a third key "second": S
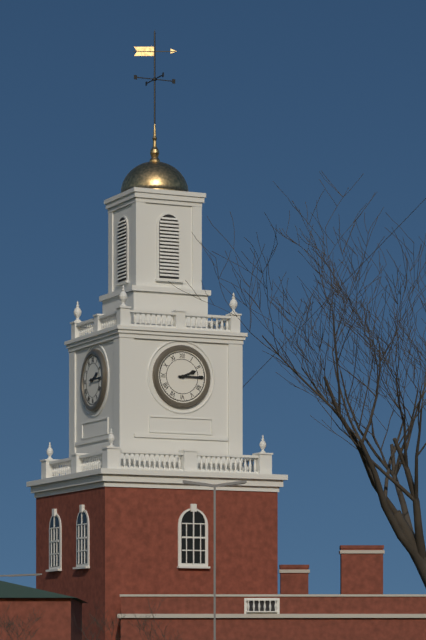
{"hour": 2, "minute": 15}
